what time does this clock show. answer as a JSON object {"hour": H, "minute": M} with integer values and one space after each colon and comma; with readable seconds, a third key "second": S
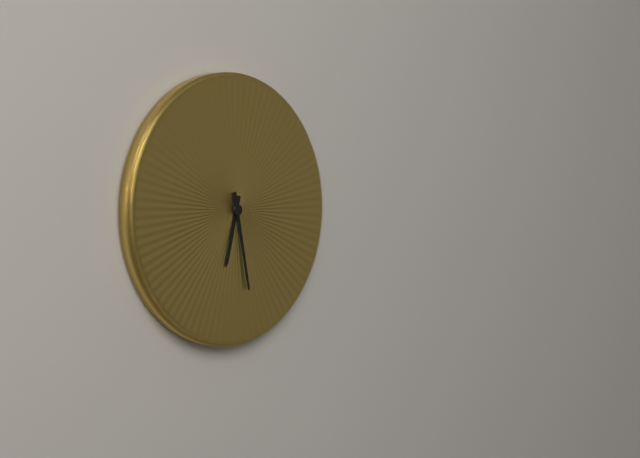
{"hour": 6, "minute": 28}
